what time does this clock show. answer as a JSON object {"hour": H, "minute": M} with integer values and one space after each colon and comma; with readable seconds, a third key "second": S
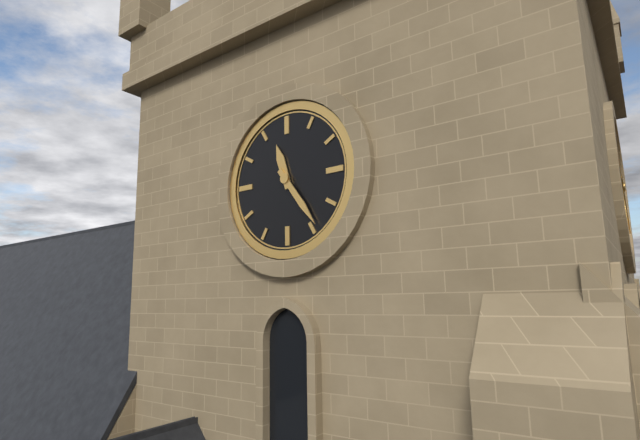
{"hour": 11, "minute": 24}
